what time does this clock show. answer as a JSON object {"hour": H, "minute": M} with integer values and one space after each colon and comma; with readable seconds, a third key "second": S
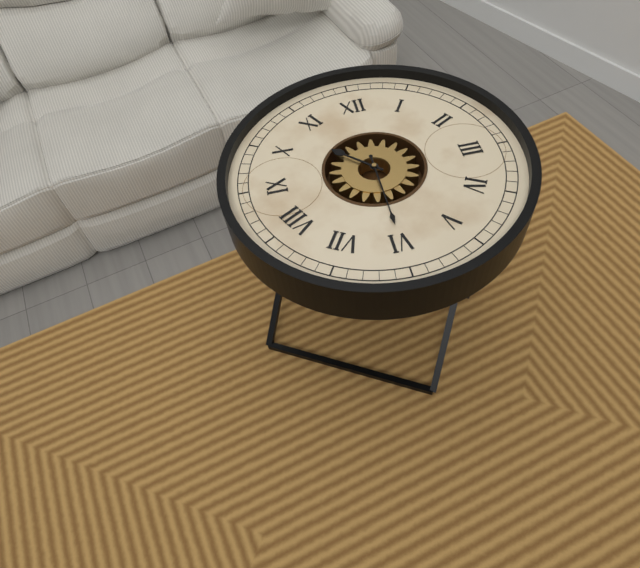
{"hour": 10, "minute": 30}
